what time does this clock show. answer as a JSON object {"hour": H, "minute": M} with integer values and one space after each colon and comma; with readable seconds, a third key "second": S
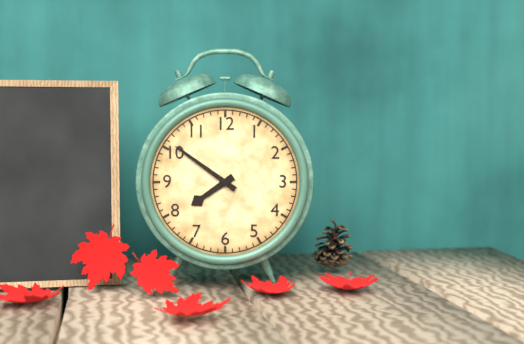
{"hour": 7, "minute": 51}
